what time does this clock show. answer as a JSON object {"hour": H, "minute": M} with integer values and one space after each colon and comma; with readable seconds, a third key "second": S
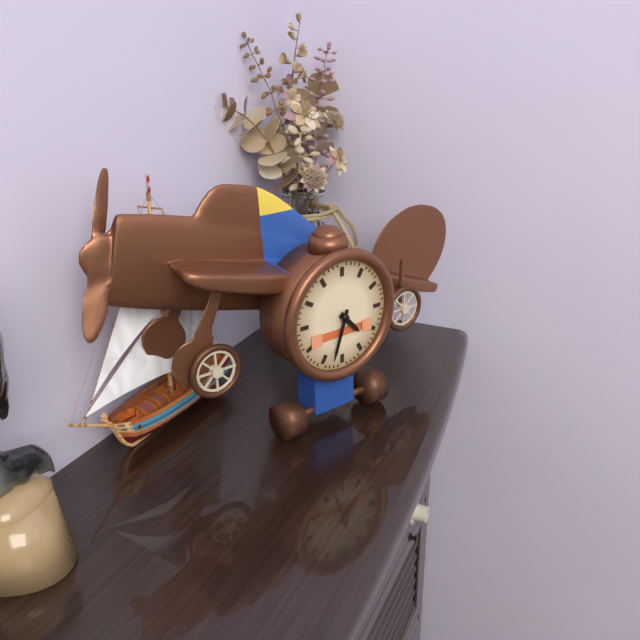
{"hour": 4, "minute": 33}
